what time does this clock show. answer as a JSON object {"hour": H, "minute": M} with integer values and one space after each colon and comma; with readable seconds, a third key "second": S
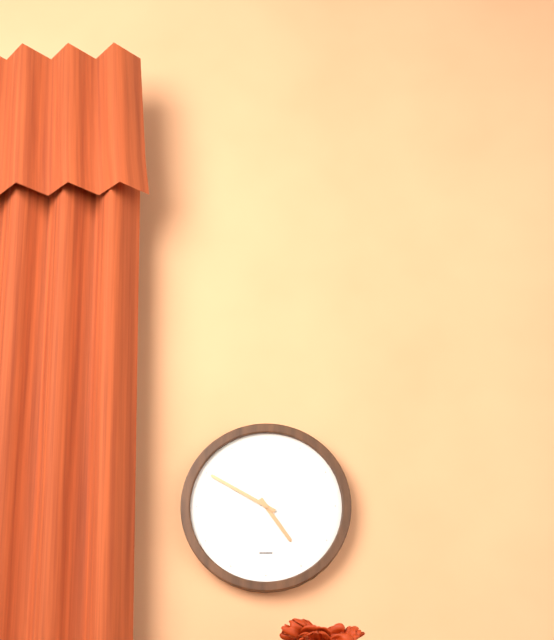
{"hour": 4, "minute": 50}
